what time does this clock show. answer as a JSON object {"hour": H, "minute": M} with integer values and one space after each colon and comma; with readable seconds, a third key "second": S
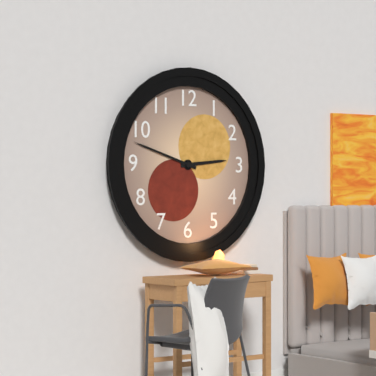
{"hour": 2, "minute": 48}
